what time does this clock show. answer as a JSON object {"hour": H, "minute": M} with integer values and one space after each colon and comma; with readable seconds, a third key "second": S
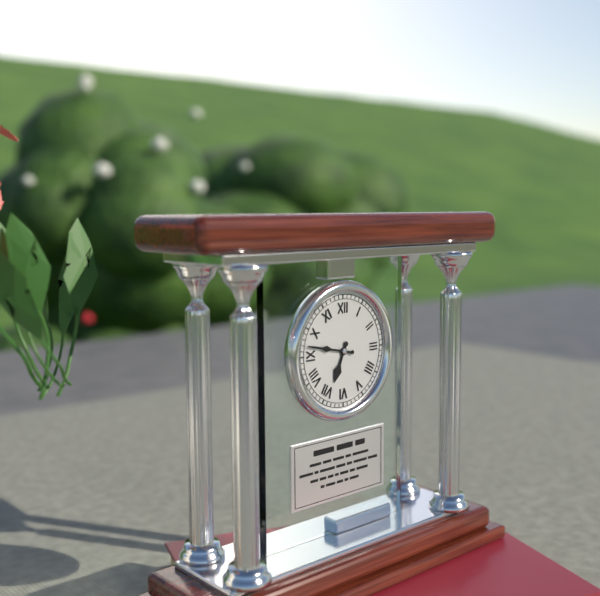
{"hour": 6, "minute": 47}
